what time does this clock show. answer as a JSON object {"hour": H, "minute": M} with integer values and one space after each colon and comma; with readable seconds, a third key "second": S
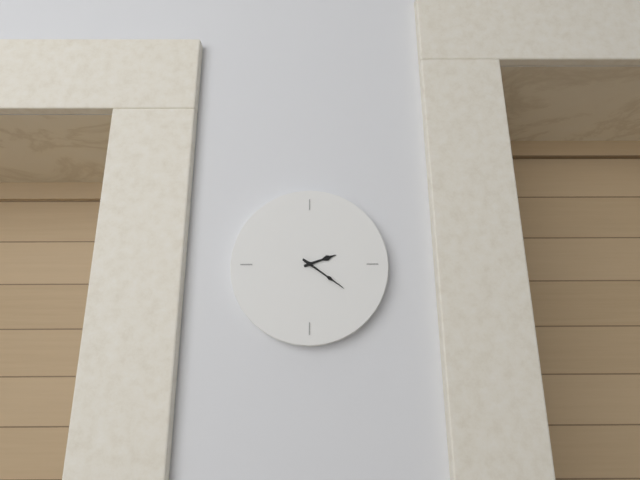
{"hour": 2, "minute": 21}
